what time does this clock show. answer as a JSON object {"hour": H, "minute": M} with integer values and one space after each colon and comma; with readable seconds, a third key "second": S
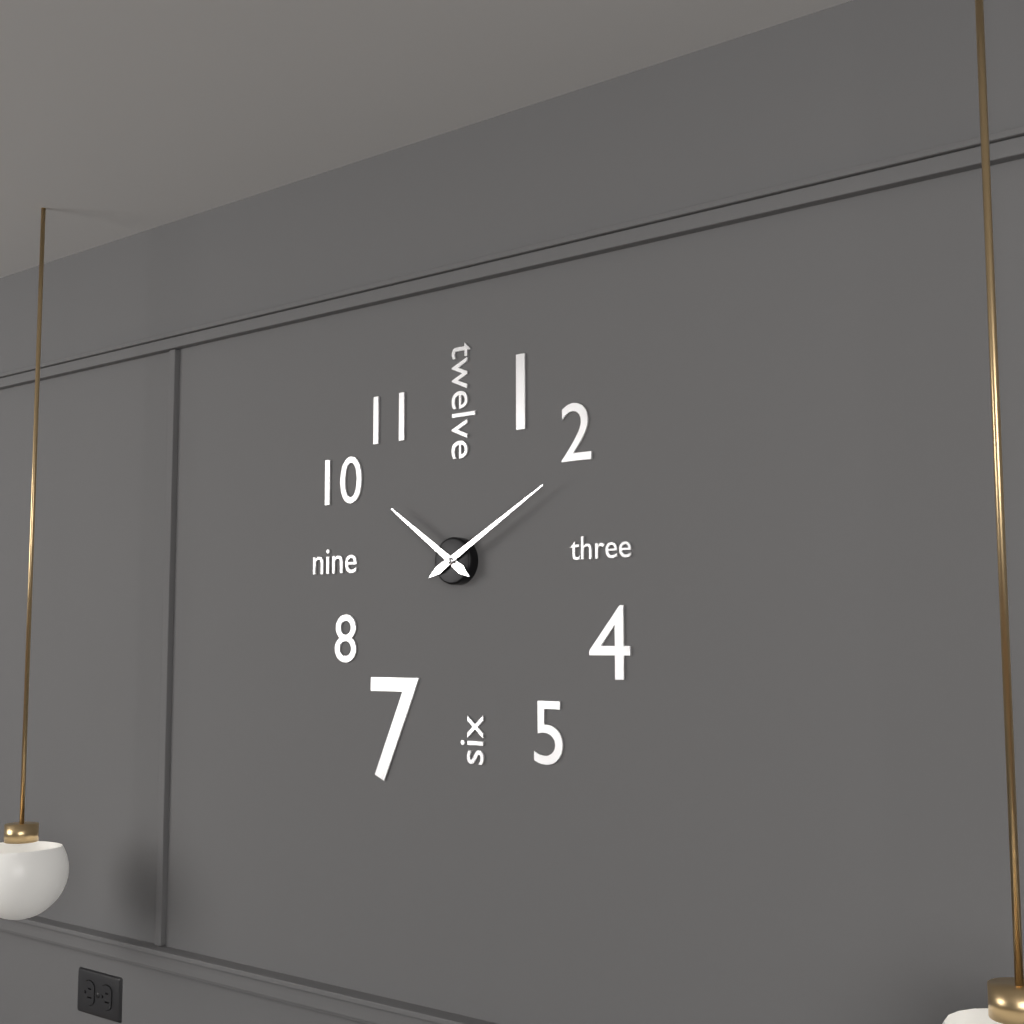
{"hour": 10, "minute": 10}
